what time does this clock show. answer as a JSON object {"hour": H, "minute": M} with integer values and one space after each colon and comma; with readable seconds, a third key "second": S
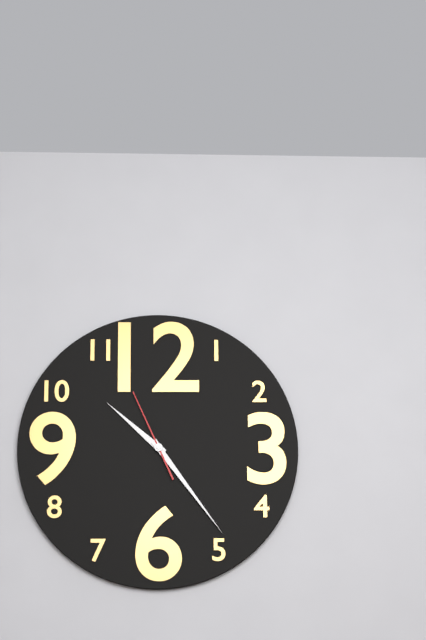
{"hour": 10, "minute": 24, "second": 56}
